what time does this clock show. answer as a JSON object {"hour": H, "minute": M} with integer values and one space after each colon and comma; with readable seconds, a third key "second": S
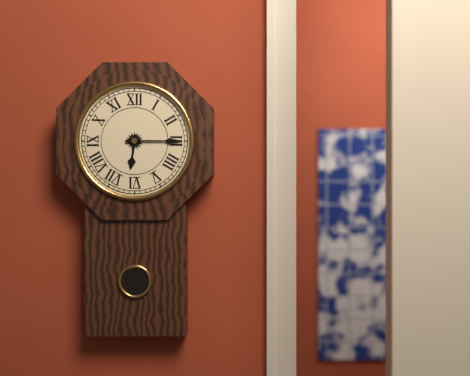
{"hour": 6, "minute": 15}
